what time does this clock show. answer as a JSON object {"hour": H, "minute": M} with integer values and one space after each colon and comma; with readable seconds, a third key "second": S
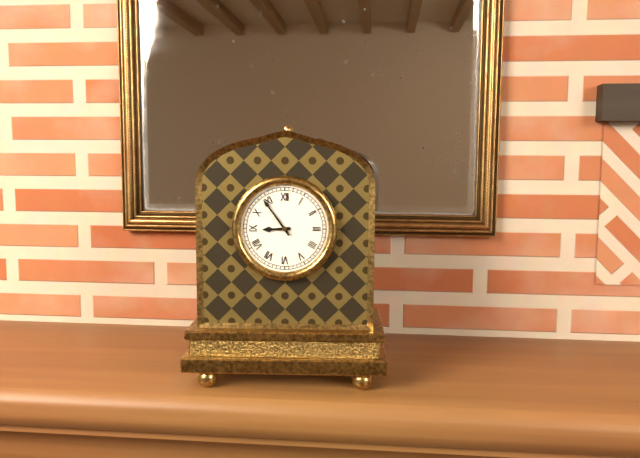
{"hour": 8, "minute": 54}
